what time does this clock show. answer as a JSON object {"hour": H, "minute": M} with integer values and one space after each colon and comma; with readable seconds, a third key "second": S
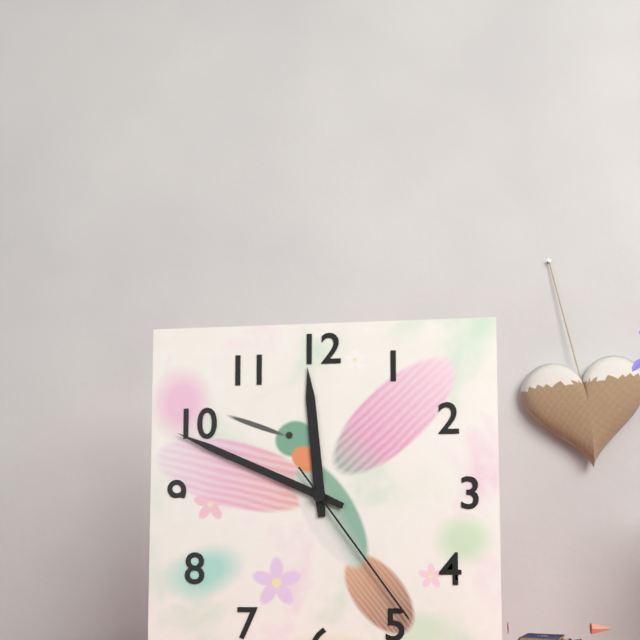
{"hour": 11, "minute": 49, "second": 24}
